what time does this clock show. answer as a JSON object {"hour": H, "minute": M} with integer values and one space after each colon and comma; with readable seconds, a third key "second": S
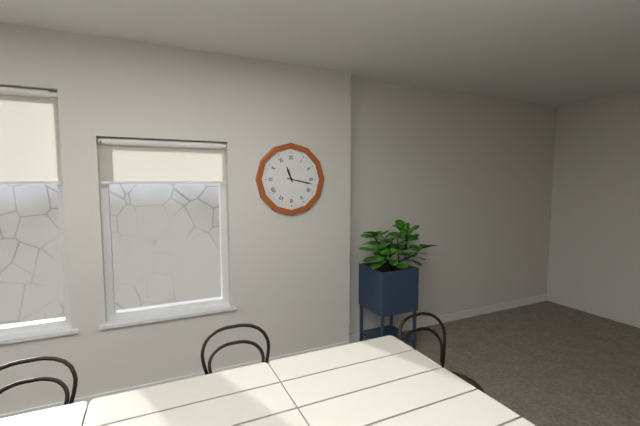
{"hour": 11, "minute": 17}
